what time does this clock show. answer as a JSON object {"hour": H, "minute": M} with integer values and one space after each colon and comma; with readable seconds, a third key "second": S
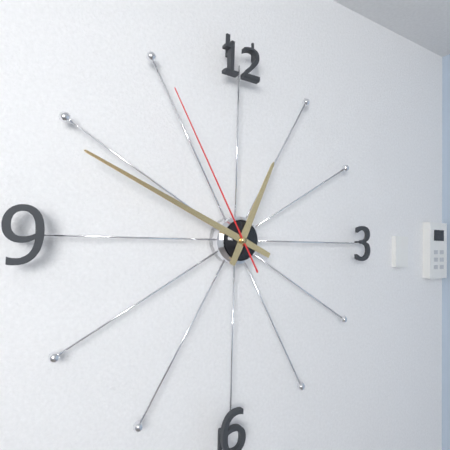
{"hour": 12, "minute": 49, "second": 55}
